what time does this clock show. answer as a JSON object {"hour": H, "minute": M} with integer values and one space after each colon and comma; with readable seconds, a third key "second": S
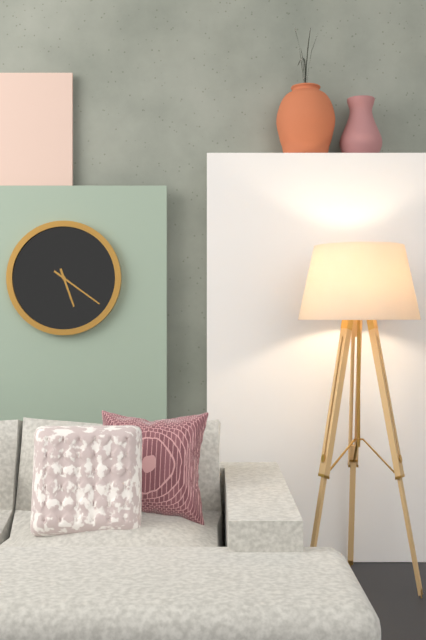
{"hour": 5, "minute": 21}
